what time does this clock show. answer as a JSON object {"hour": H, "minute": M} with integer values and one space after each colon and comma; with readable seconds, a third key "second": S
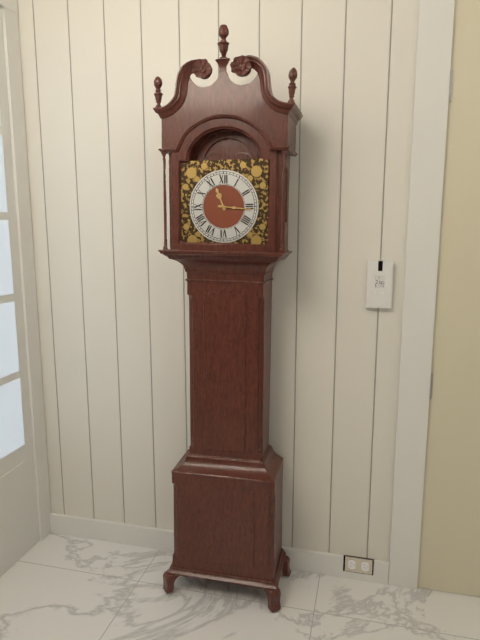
{"hour": 11, "minute": 16}
